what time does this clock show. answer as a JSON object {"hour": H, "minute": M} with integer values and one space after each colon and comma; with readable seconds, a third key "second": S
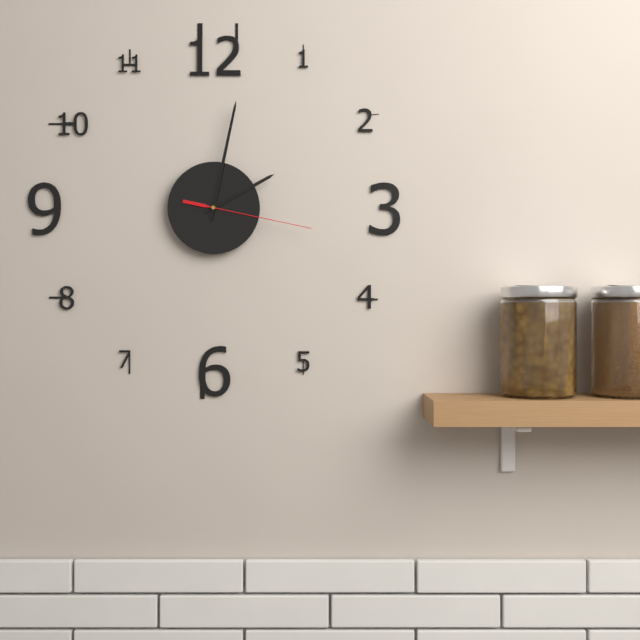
{"hour": 2, "minute": 2, "second": 17}
